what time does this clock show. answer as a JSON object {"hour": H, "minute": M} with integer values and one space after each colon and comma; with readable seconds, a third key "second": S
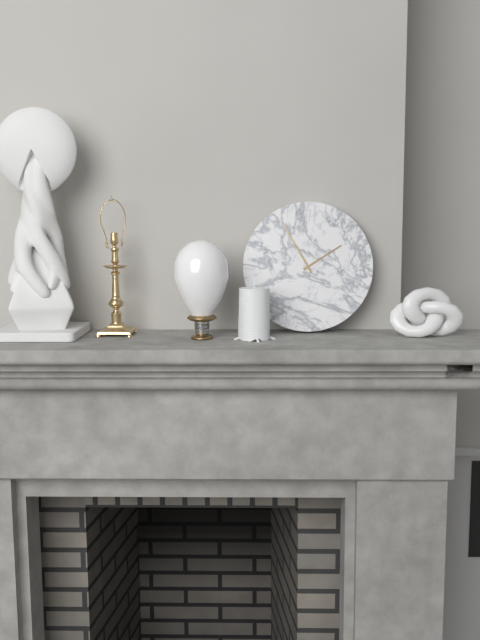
{"hour": 1, "minute": 55}
